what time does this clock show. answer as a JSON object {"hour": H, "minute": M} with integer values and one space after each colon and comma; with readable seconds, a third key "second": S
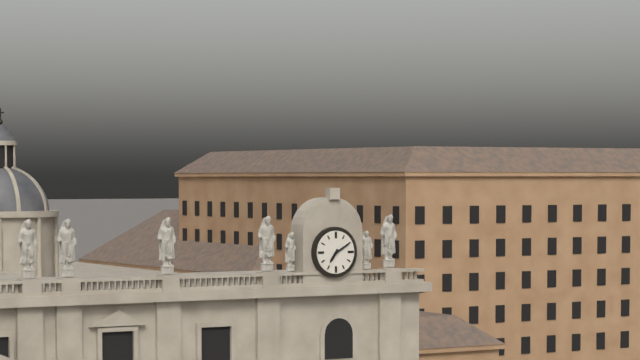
{"hour": 7, "minute": 10}
